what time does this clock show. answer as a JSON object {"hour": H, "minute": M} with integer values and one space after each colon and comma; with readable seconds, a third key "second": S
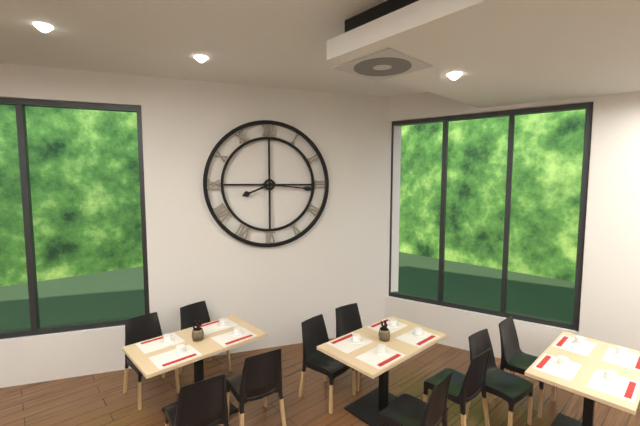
{"hour": 8, "minute": 16}
